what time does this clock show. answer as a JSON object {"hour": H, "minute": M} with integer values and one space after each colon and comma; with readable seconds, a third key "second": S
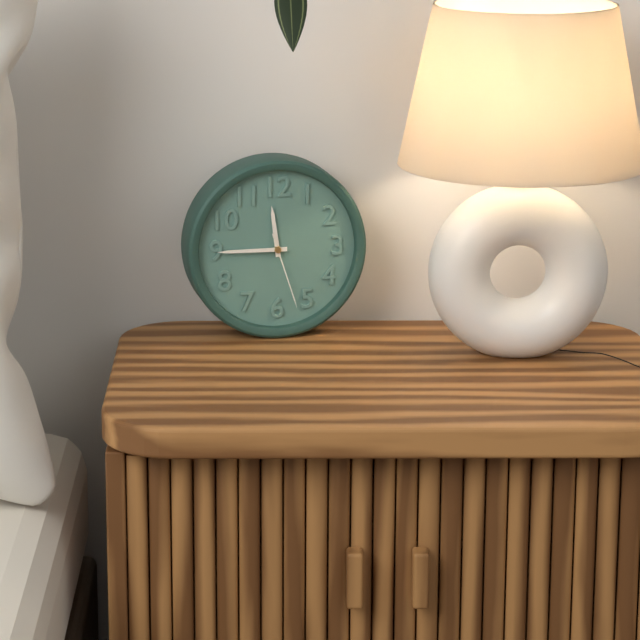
{"hour": 11, "minute": 45, "second": 27}
